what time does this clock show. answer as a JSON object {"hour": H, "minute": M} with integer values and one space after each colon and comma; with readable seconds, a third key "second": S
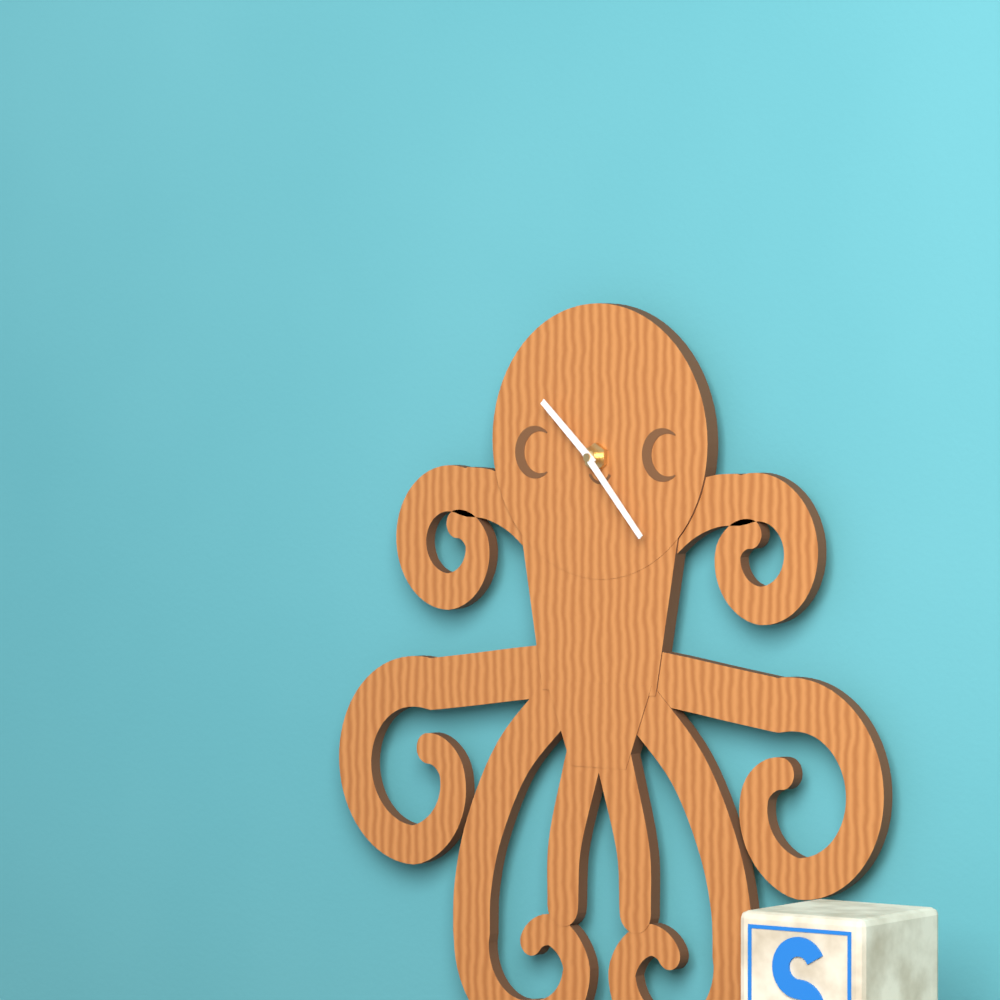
{"hour": 10, "minute": 23}
